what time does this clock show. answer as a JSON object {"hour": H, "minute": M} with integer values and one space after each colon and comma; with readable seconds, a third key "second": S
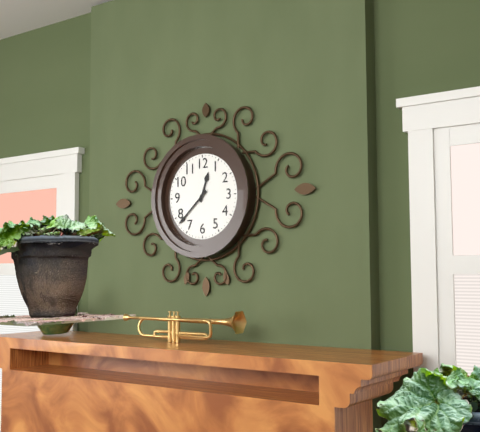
{"hour": 12, "minute": 38}
